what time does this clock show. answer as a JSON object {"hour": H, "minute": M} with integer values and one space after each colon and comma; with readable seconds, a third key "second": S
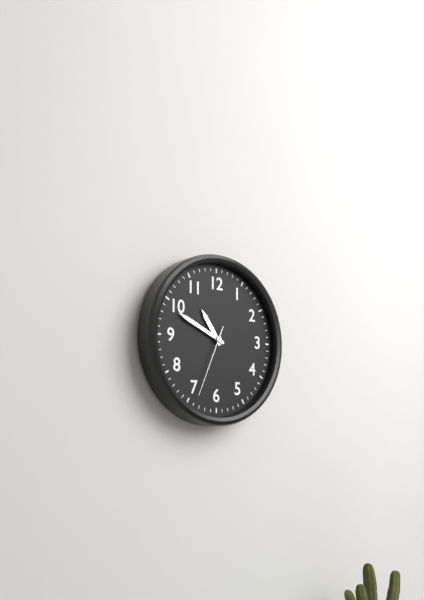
{"hour": 10, "minute": 49, "second": 34}
